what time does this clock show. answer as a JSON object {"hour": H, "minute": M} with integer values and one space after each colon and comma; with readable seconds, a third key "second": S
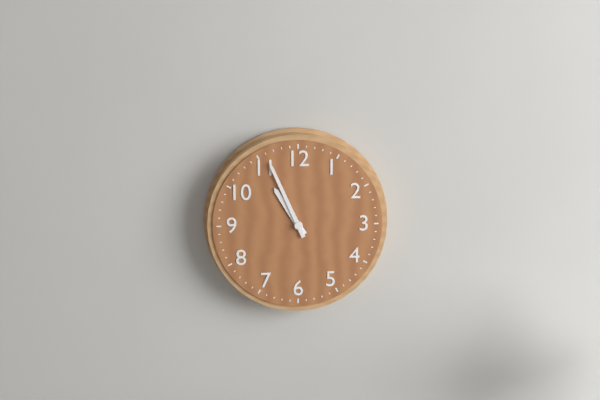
{"hour": 10, "minute": 56}
